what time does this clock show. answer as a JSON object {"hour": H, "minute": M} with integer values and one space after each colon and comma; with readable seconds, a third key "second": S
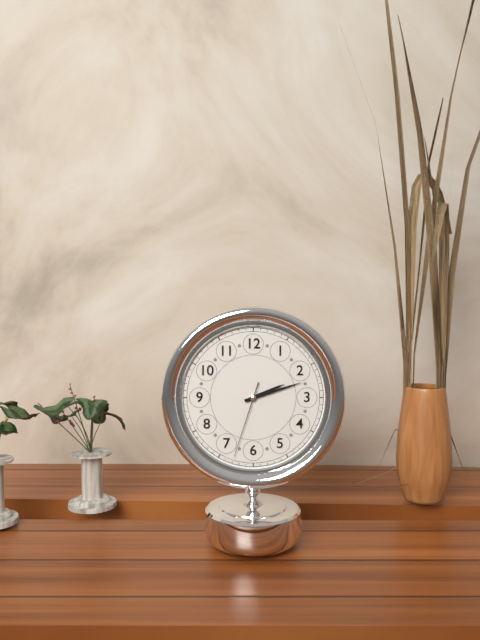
{"hour": 2, "minute": 12, "second": 33}
